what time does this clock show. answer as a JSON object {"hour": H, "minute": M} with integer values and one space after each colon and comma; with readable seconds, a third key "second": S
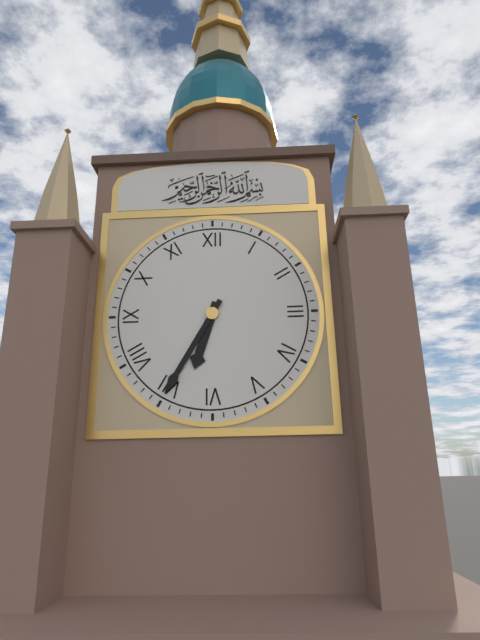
{"hour": 6, "minute": 35}
